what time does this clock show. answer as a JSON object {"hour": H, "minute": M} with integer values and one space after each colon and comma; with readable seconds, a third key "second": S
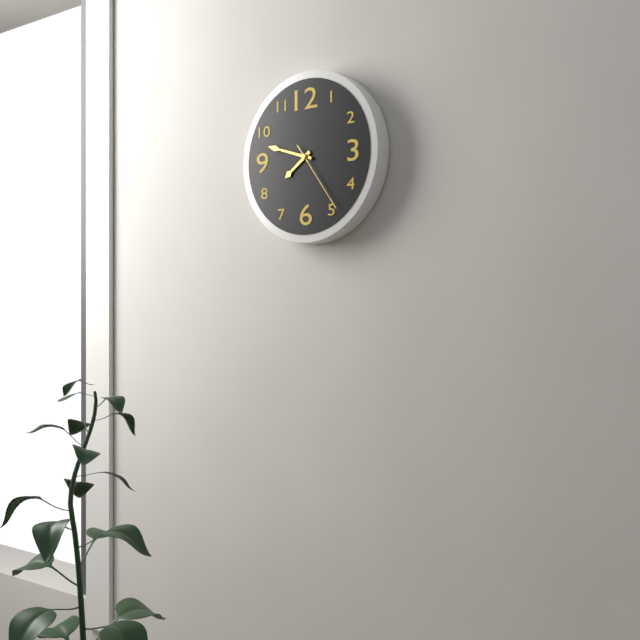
{"hour": 7, "minute": 48, "second": 24}
